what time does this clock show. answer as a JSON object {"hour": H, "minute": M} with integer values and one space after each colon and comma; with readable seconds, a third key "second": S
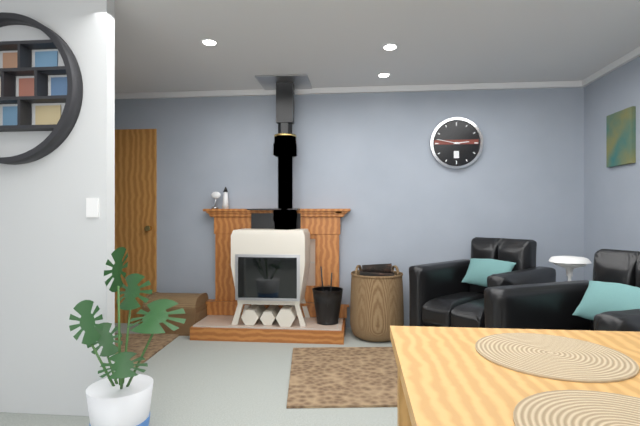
{"hour": 2, "minute": 47}
